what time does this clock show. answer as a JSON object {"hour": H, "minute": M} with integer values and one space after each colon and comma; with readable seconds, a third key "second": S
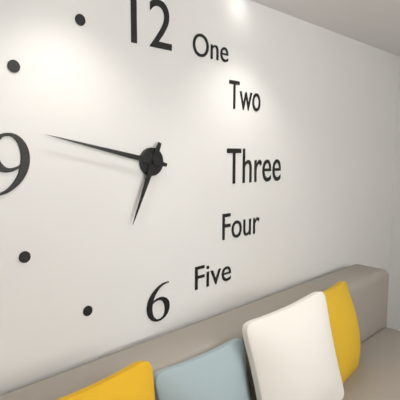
{"hour": 6, "minute": 47}
